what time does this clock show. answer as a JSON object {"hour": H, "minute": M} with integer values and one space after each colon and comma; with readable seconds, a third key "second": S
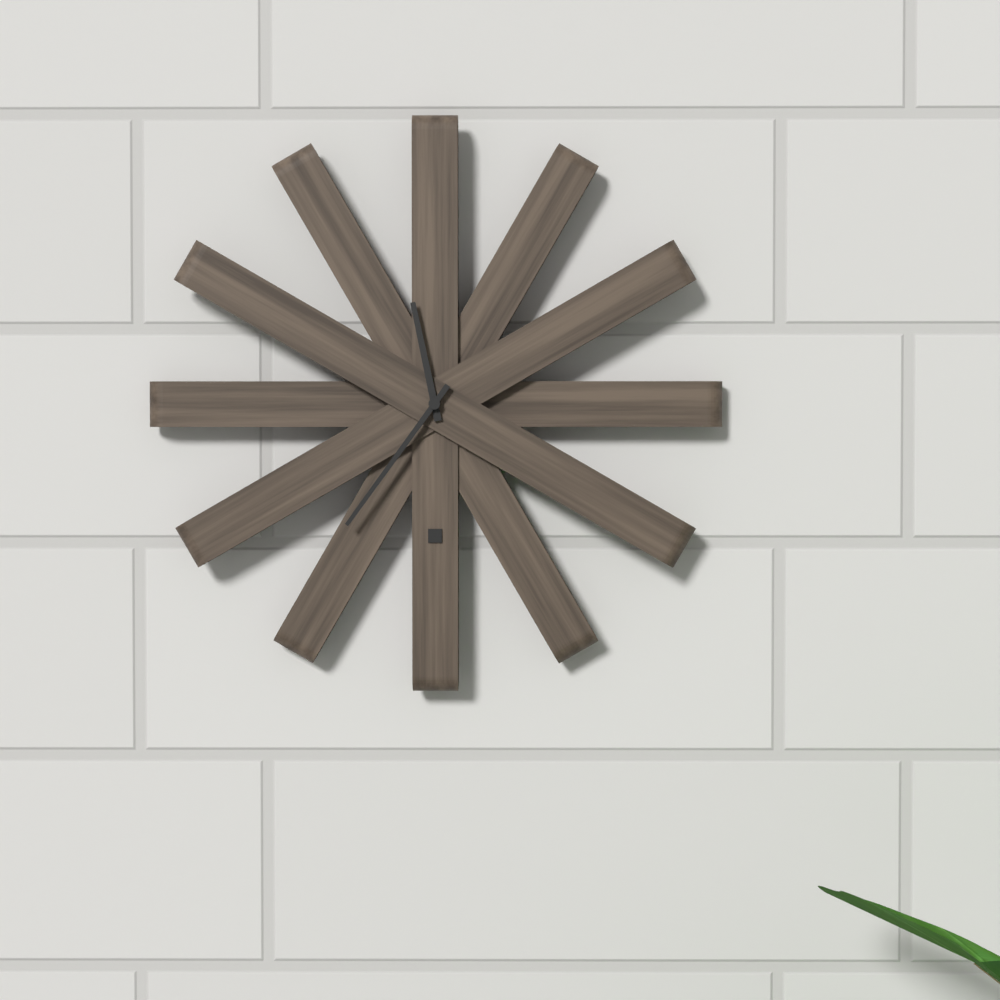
{"hour": 11, "minute": 36}
